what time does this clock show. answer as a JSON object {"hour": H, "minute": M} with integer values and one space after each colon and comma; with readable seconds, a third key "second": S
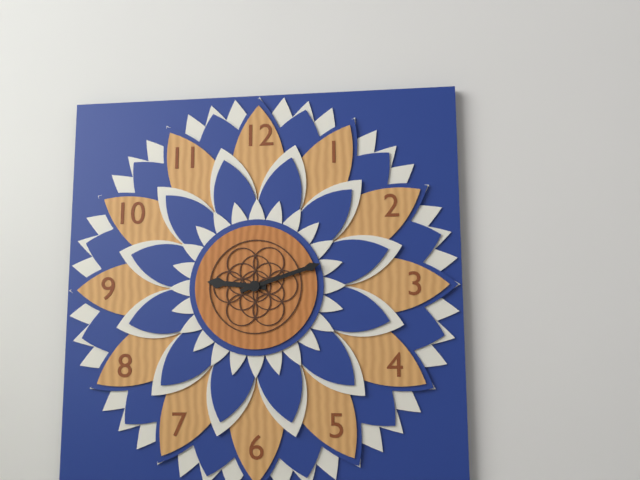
{"hour": 9, "minute": 12}
